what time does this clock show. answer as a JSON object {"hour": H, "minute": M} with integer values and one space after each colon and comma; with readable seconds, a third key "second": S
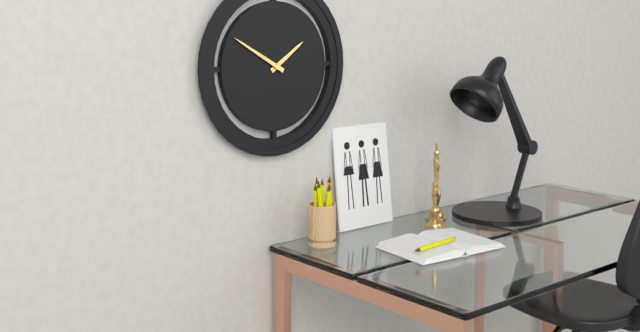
{"hour": 1, "minute": 50}
